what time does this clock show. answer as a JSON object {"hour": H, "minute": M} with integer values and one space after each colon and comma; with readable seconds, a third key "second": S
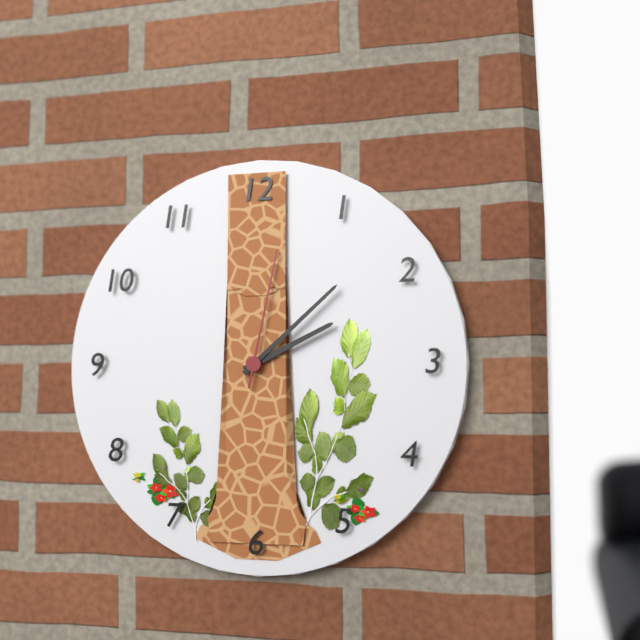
{"hour": 2, "minute": 8, "second": 2}
